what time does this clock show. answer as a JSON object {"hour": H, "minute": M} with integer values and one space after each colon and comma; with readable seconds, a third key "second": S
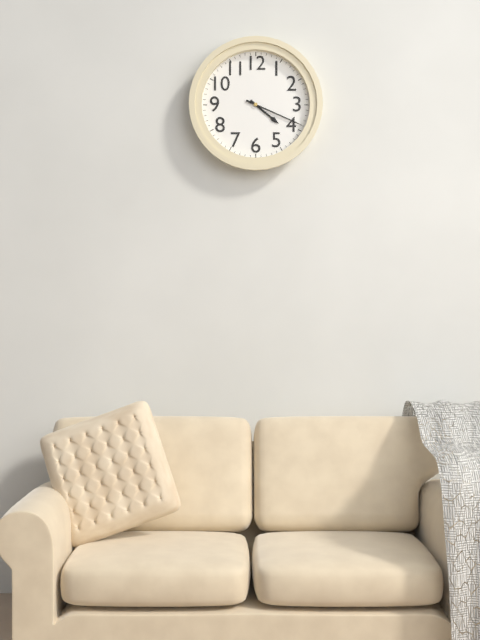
{"hour": 4, "minute": 19}
